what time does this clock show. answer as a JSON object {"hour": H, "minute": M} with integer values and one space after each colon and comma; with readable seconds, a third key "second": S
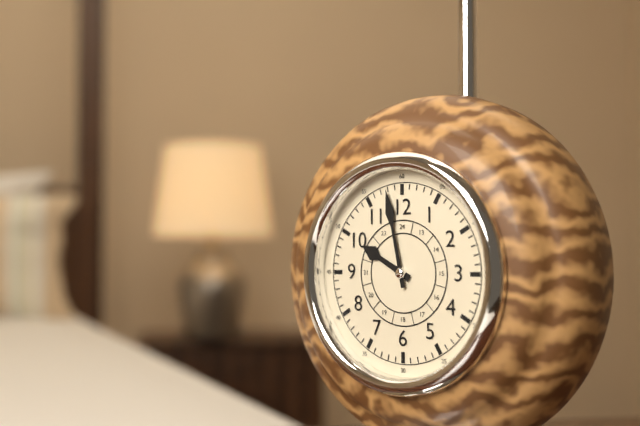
{"hour": 9, "minute": 58}
